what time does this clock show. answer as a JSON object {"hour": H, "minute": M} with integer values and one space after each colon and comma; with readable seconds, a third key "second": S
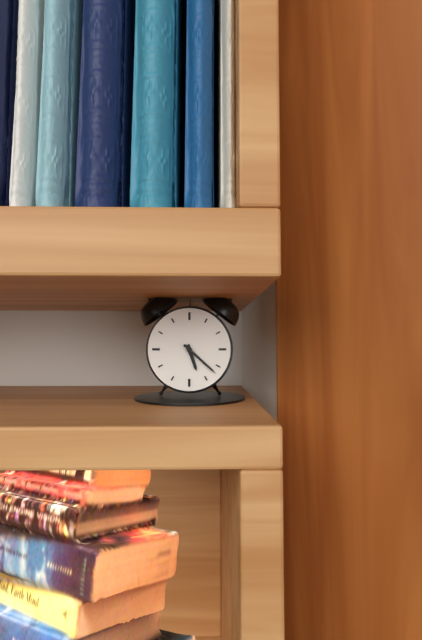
{"hour": 5, "minute": 22}
